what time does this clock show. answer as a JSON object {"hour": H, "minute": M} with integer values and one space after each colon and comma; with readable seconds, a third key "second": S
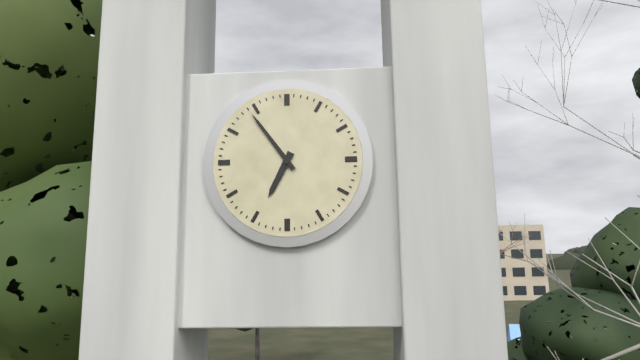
{"hour": 6, "minute": 54}
